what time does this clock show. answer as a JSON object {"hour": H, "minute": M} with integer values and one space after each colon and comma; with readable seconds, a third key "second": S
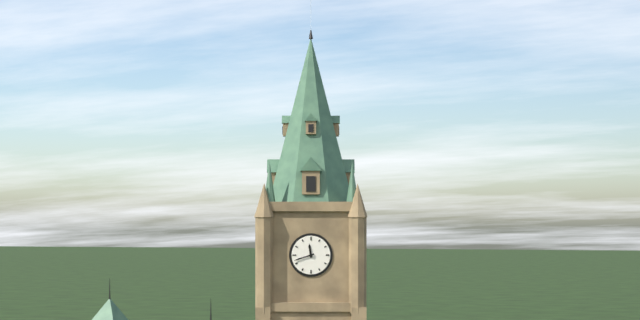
{"hour": 11, "minute": 42}
